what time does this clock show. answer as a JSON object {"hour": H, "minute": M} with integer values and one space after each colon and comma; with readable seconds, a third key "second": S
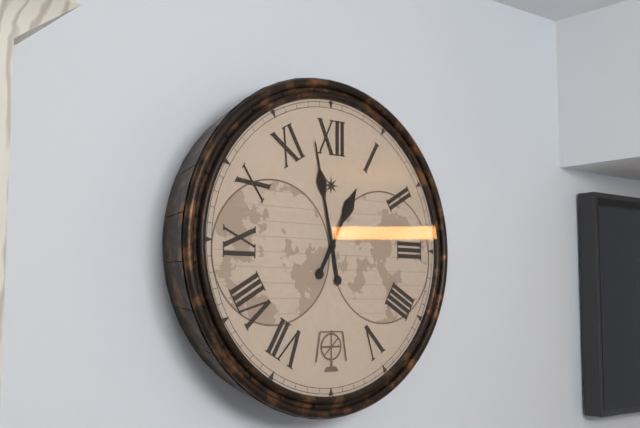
{"hour": 12, "minute": 58}
